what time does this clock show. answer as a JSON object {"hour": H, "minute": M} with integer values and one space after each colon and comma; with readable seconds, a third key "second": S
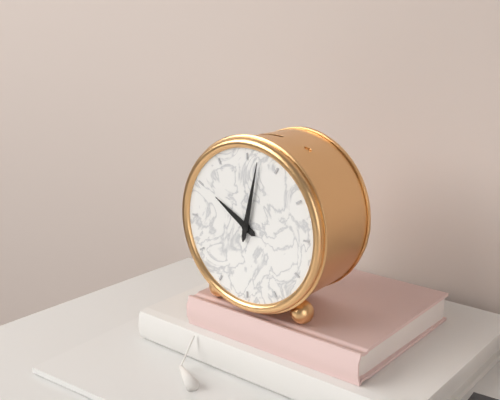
{"hour": 10, "minute": 2}
